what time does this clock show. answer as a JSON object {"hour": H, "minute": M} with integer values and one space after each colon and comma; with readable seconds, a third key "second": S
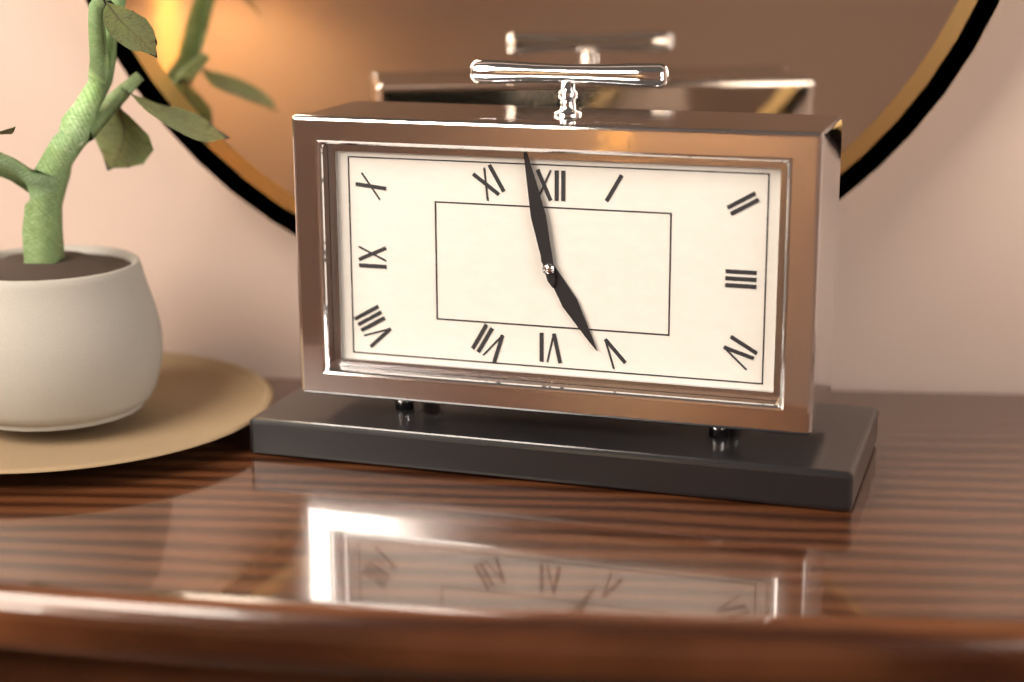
{"hour": 4, "minute": 58}
